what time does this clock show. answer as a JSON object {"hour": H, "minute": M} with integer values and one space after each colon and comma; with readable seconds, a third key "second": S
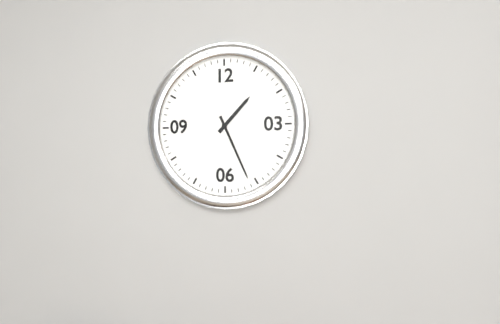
{"hour": 1, "minute": 26}
